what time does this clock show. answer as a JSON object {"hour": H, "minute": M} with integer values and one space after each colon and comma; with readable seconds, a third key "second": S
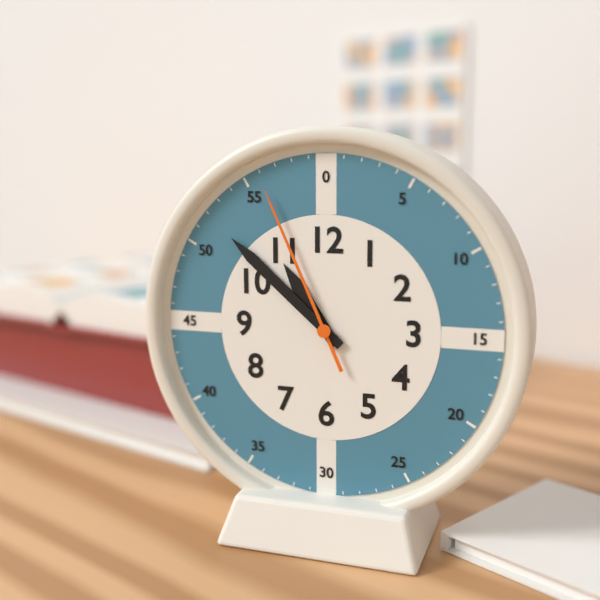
{"hour": 10, "minute": 52, "second": 56}
